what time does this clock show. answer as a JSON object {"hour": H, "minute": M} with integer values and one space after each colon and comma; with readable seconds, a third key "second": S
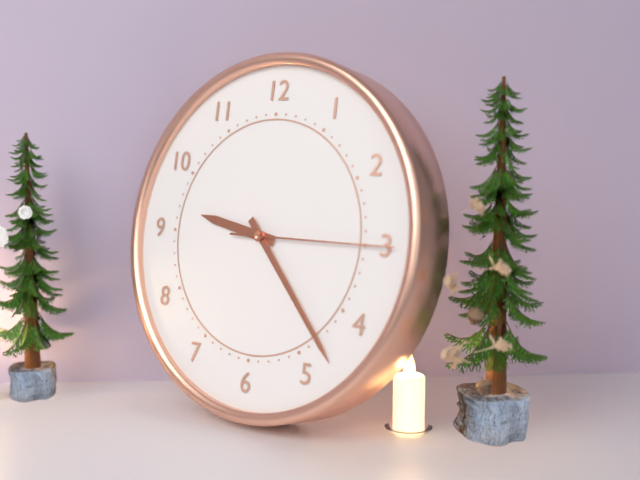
{"hour": 9, "minute": 23, "second": 15}
